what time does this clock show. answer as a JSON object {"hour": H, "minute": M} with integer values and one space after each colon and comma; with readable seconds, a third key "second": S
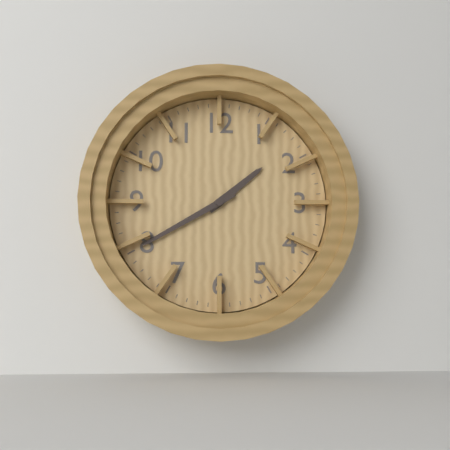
{"hour": 1, "minute": 40}
